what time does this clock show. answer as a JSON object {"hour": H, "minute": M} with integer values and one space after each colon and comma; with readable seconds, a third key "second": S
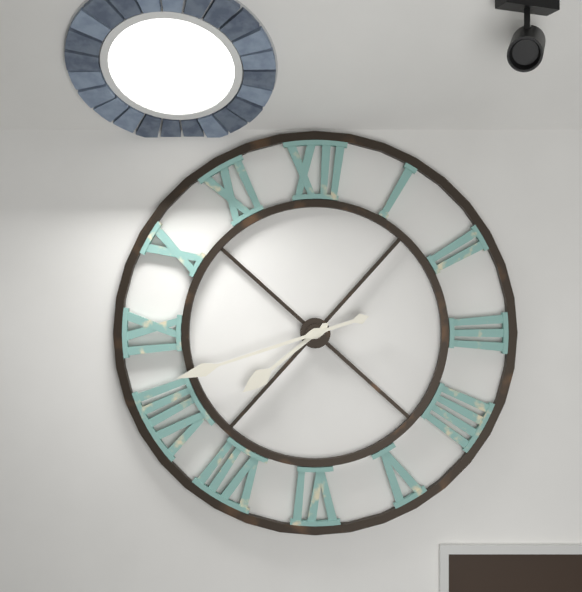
{"hour": 7, "minute": 42}
